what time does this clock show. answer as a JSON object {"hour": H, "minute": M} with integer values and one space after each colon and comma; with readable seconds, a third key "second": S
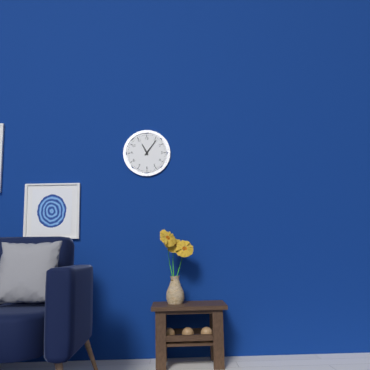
{"hour": 11, "minute": 6}
